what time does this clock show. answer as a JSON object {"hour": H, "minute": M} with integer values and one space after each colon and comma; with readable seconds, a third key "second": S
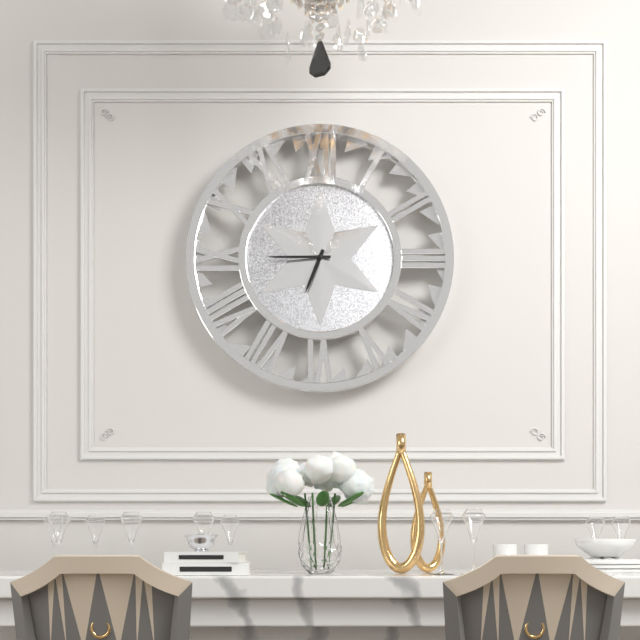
{"hour": 6, "minute": 45}
